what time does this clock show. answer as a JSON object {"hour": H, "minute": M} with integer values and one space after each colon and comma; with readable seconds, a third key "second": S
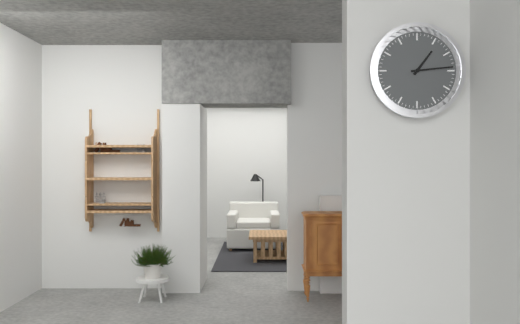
{"hour": 1, "minute": 14}
